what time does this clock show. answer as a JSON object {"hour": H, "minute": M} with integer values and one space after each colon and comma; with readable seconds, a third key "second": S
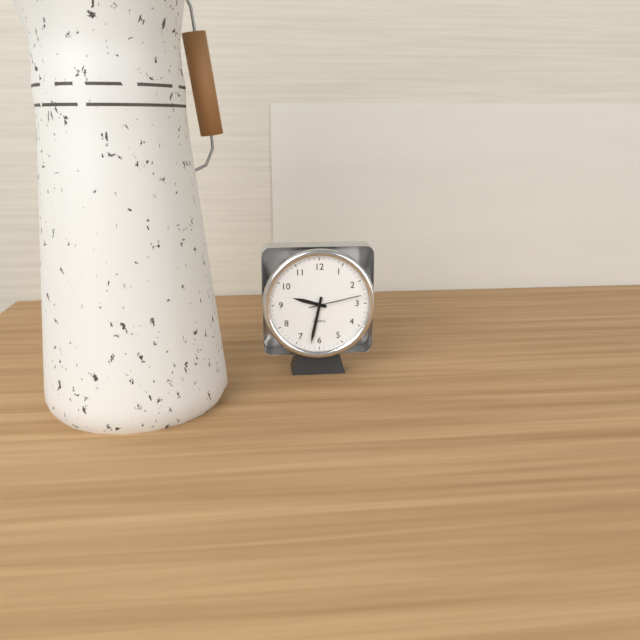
{"hour": 9, "minute": 32, "second": 13}
